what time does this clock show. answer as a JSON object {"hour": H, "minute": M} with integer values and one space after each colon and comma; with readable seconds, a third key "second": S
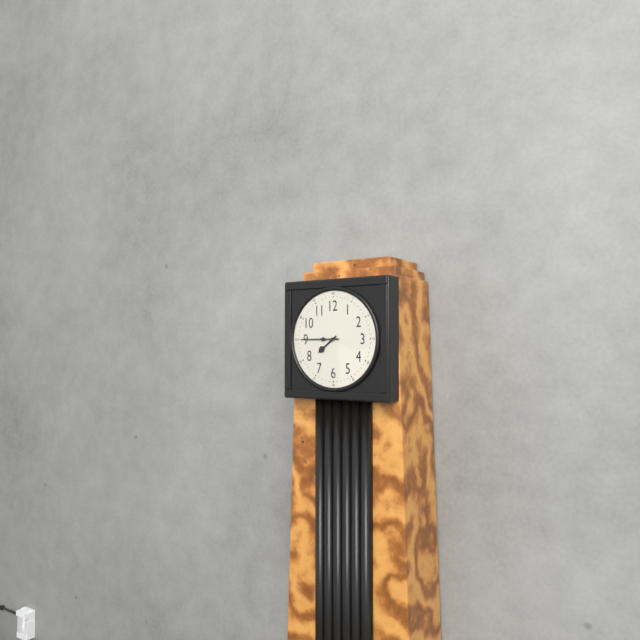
{"hour": 7, "minute": 45}
